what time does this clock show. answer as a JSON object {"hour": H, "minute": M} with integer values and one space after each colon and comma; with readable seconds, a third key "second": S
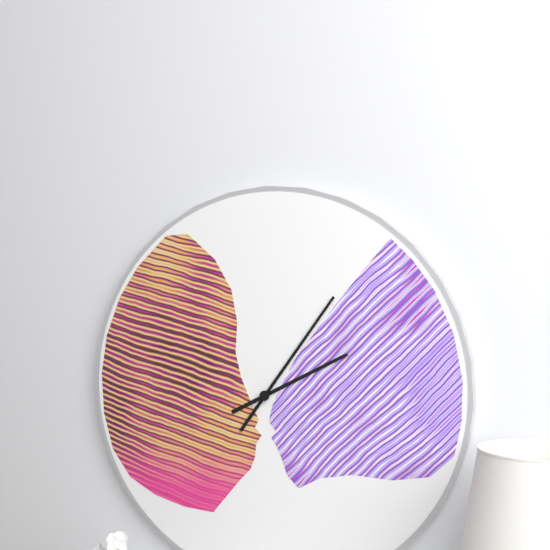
{"hour": 2, "minute": 6}
